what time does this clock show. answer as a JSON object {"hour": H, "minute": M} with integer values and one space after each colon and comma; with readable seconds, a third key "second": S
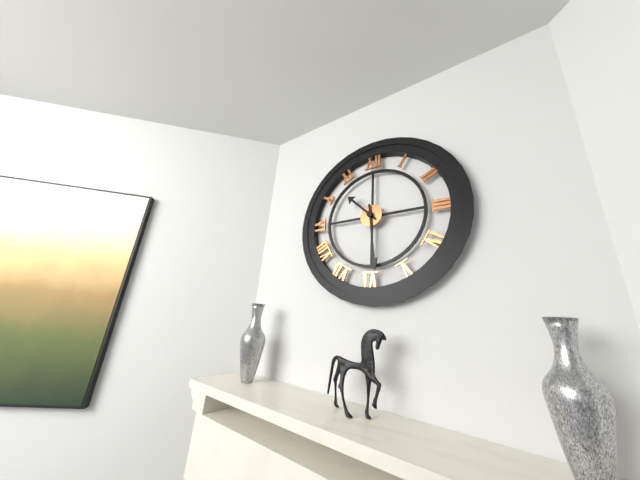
{"hour": 10, "minute": 29}
